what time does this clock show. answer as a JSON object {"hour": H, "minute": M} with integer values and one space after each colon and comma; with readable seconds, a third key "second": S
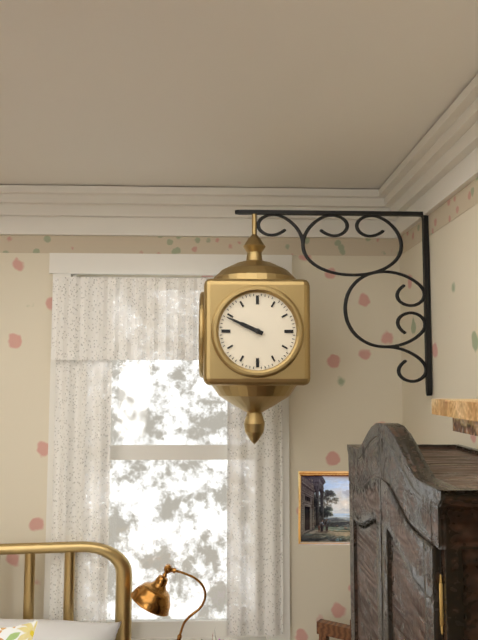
{"hour": 9, "minute": 49}
